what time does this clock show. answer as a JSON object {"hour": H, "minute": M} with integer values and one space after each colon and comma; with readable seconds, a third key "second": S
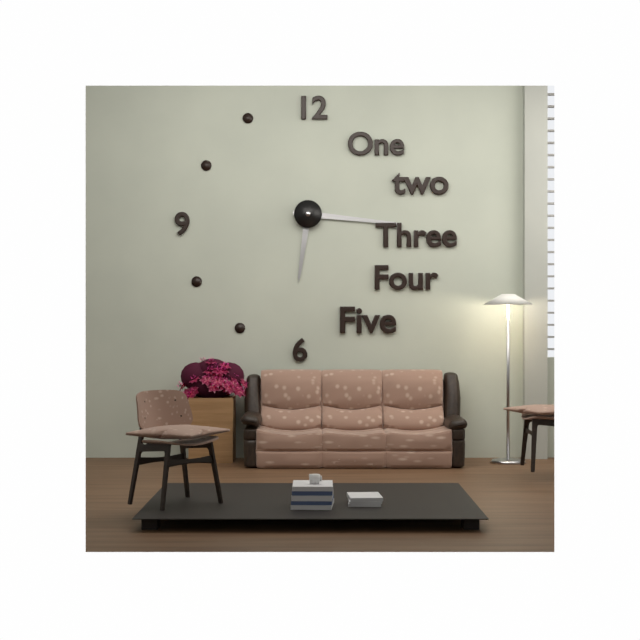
{"hour": 6, "minute": 16}
